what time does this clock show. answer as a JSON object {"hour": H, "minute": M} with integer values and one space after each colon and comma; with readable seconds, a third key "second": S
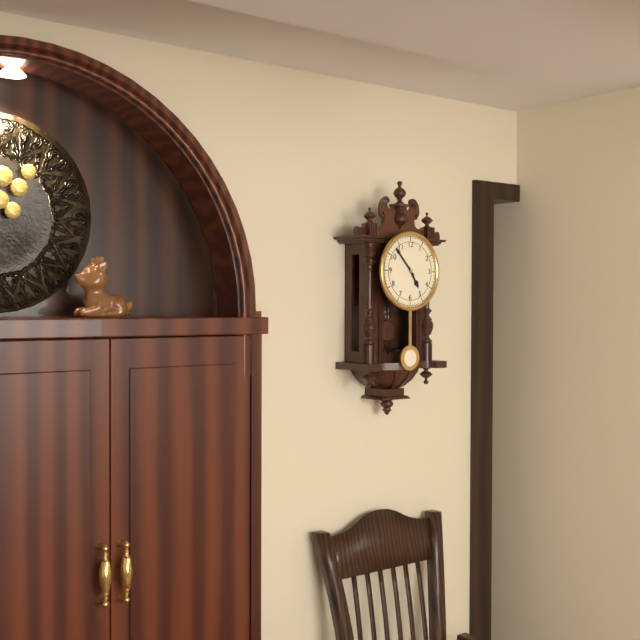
{"hour": 4, "minute": 53}
